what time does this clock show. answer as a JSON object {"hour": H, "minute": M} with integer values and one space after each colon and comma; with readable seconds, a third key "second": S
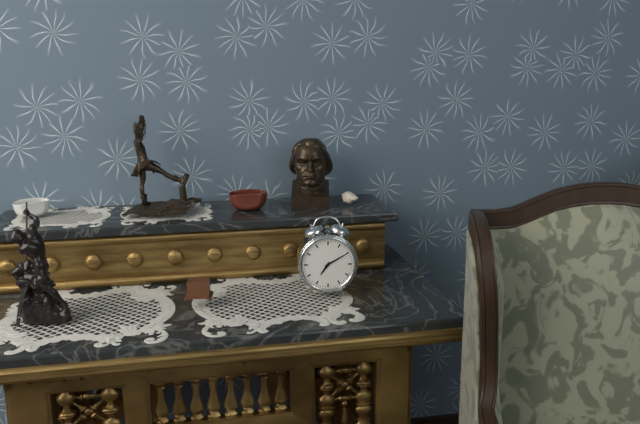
{"hour": 7, "minute": 10}
